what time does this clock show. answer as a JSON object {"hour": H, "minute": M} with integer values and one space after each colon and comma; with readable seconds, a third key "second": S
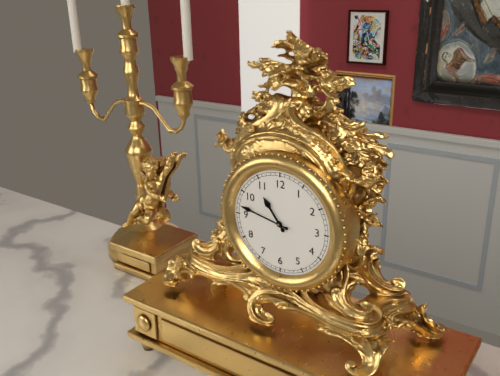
{"hour": 10, "minute": 47}
